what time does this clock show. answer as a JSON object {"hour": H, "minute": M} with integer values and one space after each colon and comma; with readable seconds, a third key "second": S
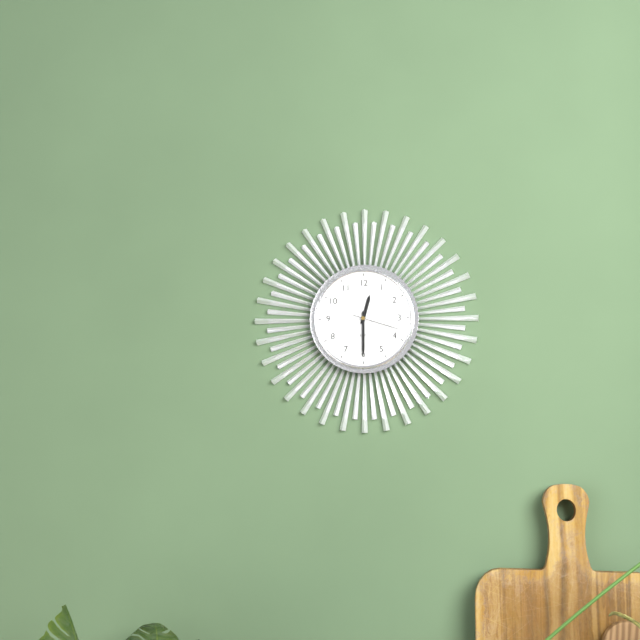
{"hour": 12, "minute": 30, "second": 18}
